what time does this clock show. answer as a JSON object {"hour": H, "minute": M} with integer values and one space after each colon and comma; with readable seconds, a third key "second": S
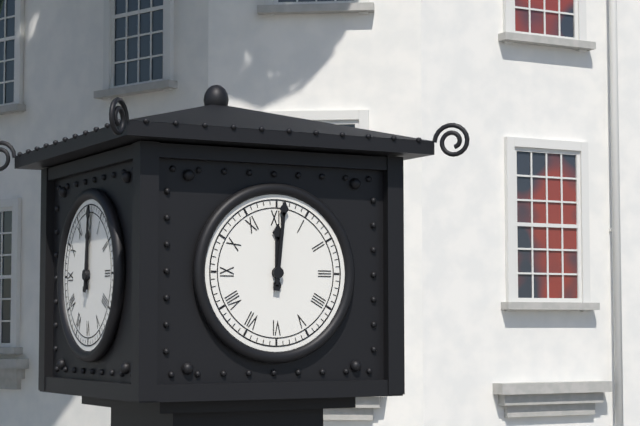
{"hour": 12, "minute": 1}
